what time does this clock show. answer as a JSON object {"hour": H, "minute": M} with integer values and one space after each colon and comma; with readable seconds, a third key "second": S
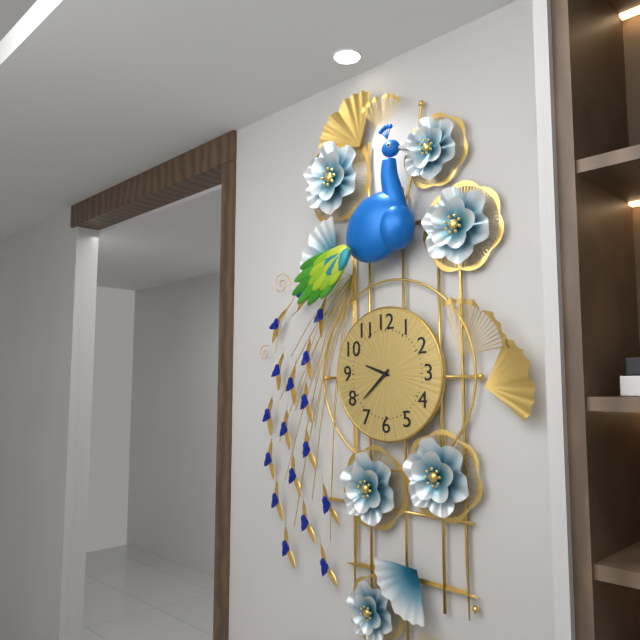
{"hour": 9, "minute": 38}
